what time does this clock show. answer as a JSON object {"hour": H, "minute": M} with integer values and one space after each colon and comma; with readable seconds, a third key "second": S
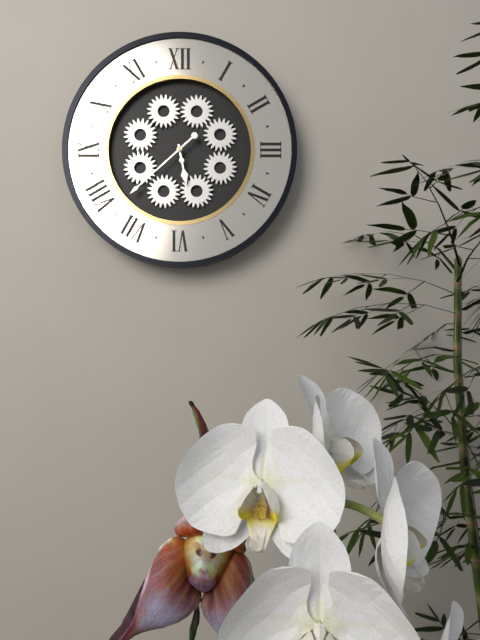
{"hour": 5, "minute": 38}
